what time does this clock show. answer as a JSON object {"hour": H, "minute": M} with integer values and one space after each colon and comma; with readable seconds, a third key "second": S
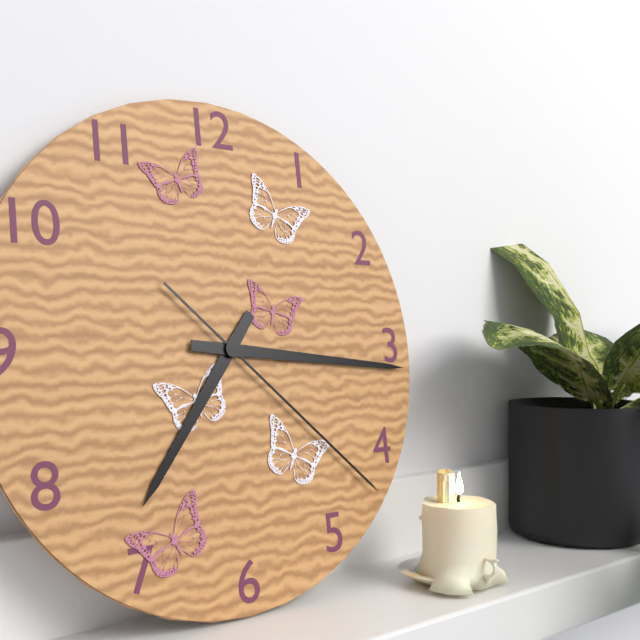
{"hour": 7, "minute": 16, "second": 22}
